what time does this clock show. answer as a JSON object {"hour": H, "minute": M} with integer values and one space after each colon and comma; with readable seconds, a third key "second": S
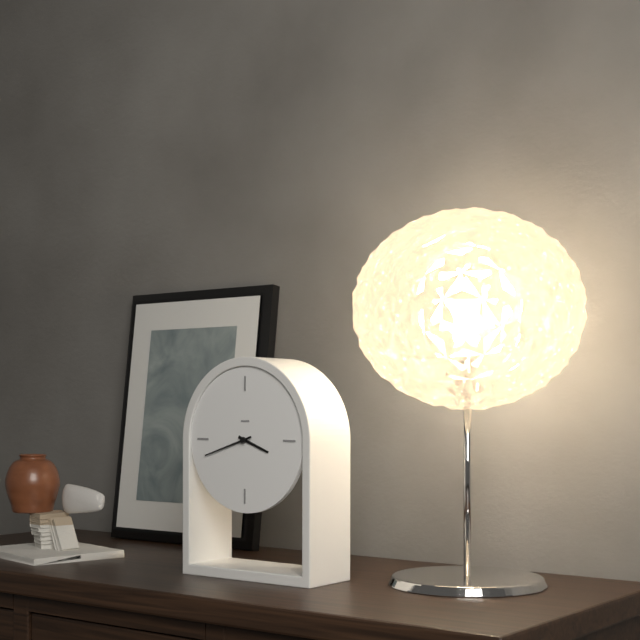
{"hour": 3, "minute": 42}
